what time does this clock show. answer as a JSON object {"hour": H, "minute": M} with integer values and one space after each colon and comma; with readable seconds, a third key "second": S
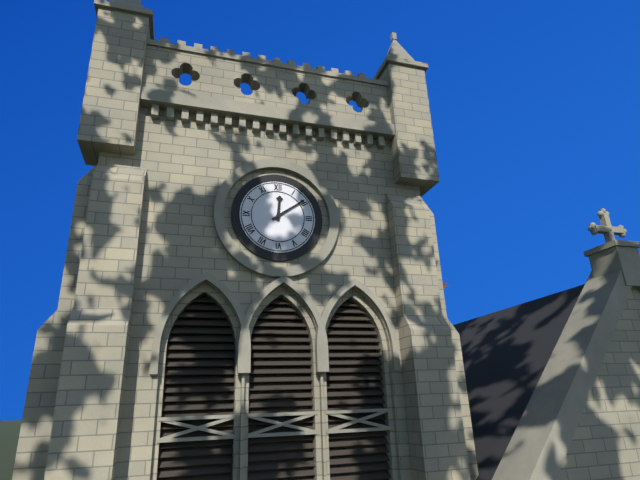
{"hour": 12, "minute": 9}
